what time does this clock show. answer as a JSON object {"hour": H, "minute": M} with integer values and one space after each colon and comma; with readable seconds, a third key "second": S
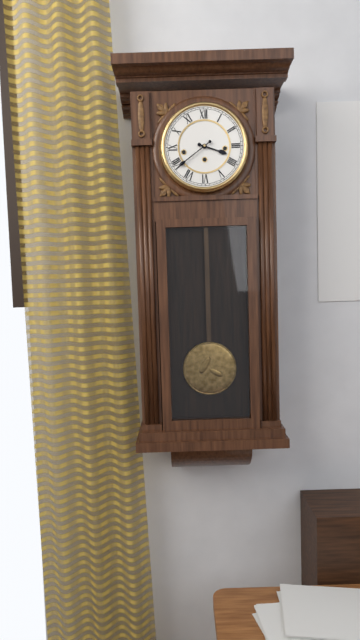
{"hour": 3, "minute": 39}
